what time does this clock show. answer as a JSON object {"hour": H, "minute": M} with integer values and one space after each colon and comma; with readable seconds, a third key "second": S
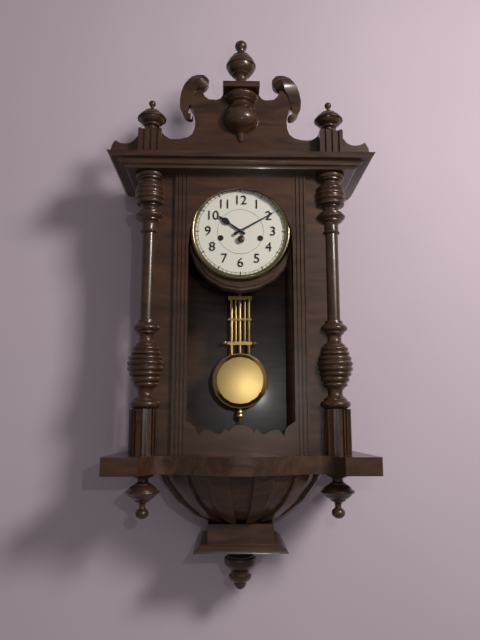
{"hour": 10, "minute": 10}
